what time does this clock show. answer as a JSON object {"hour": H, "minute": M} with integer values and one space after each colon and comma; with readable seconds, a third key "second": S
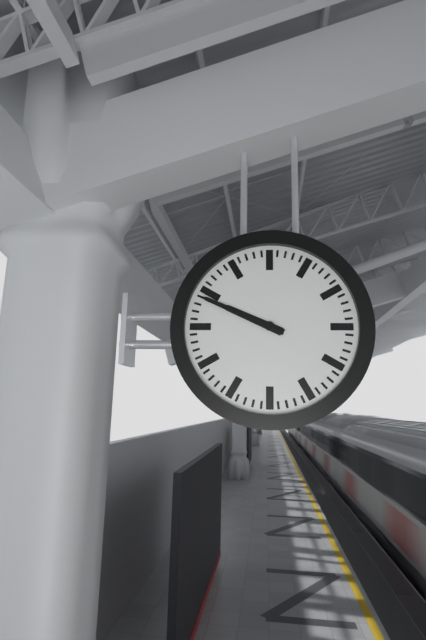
{"hour": 9, "minute": 49}
